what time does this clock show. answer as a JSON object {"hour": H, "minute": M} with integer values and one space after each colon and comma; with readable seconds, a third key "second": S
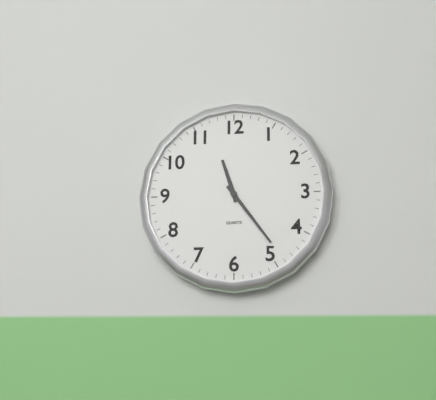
{"hour": 11, "minute": 24}
